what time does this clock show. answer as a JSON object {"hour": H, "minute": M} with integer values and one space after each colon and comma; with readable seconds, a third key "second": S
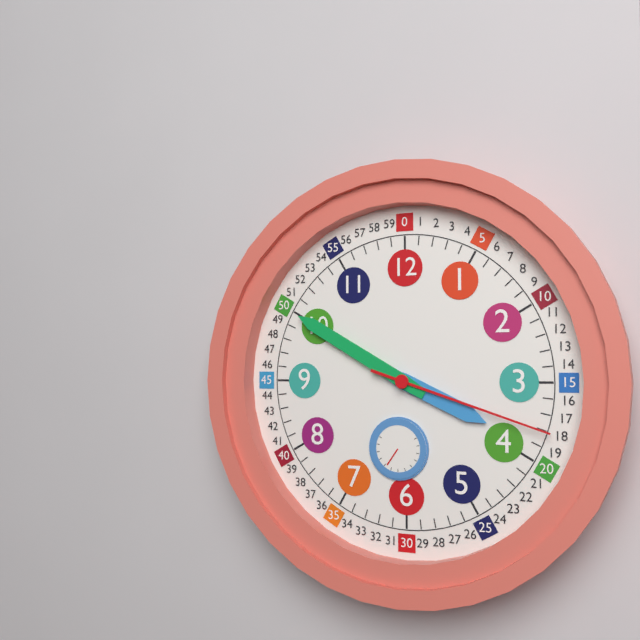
{"hour": 3, "minute": 50, "second": 18}
